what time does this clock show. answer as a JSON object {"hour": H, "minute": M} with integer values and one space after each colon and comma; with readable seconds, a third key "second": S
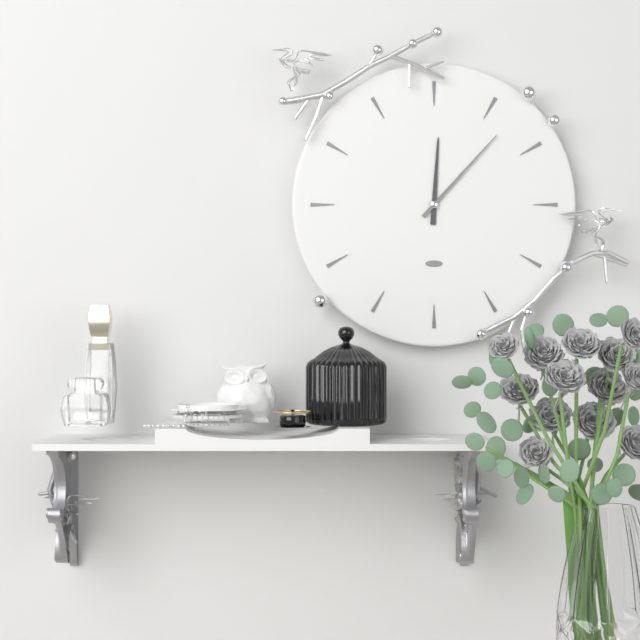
{"hour": 12, "minute": 7}
